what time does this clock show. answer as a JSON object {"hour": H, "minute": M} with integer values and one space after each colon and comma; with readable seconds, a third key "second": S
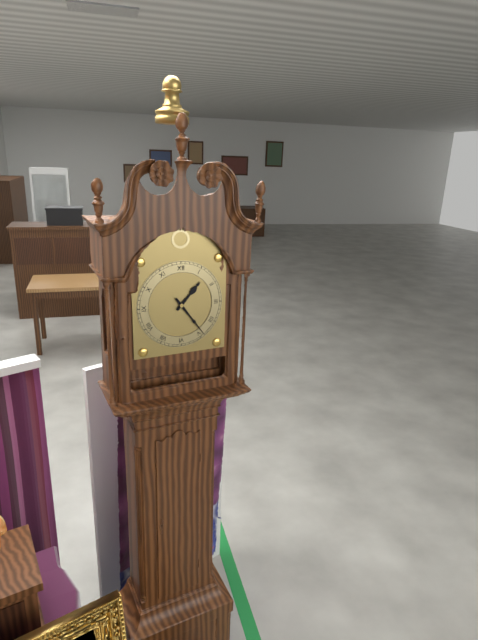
{"hour": 1, "minute": 24}
